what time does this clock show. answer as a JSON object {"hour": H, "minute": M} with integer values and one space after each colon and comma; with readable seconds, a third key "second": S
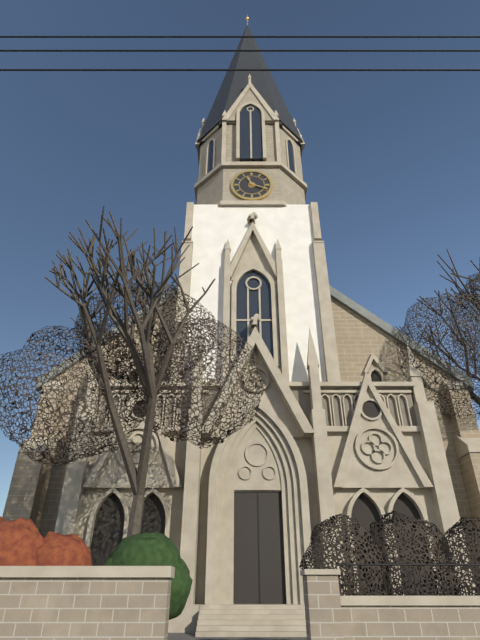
{"hour": 11, "minute": 19}
